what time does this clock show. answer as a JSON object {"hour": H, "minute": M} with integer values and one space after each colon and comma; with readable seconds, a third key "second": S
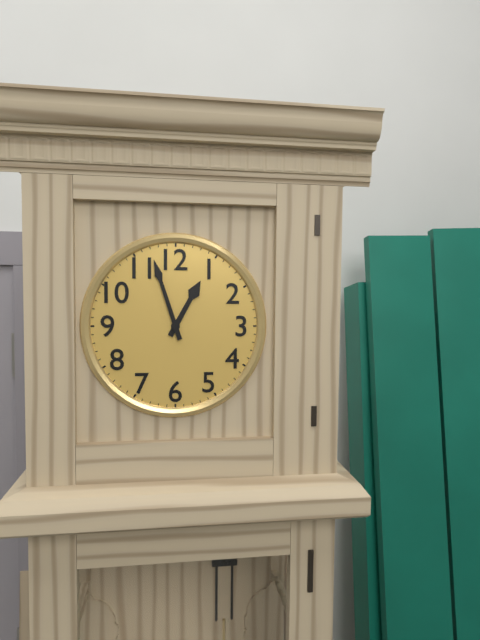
{"hour": 12, "minute": 57}
